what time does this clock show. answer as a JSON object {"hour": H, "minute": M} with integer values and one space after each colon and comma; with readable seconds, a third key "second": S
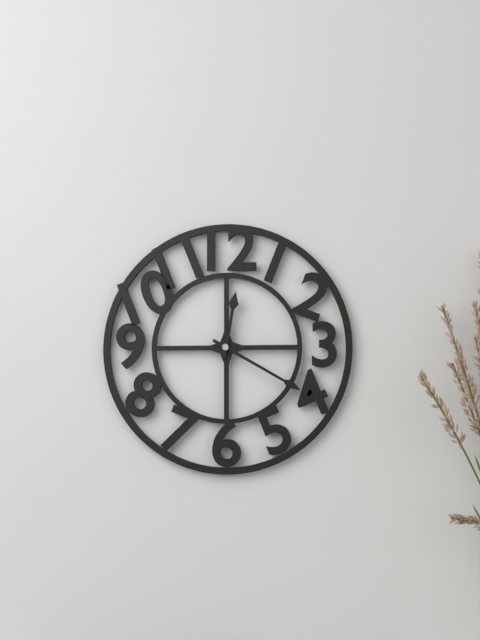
{"hour": 12, "minute": 20}
